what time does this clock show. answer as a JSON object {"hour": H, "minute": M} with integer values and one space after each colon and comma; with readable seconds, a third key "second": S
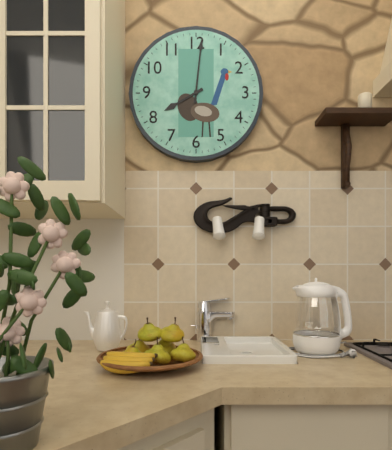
{"hour": 8, "minute": 1}
